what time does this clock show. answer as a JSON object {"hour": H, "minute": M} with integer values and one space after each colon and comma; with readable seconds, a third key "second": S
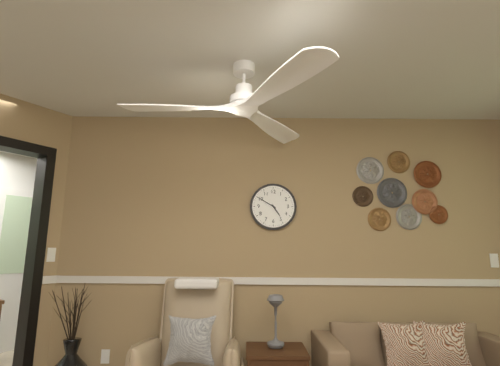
{"hour": 4, "minute": 50}
